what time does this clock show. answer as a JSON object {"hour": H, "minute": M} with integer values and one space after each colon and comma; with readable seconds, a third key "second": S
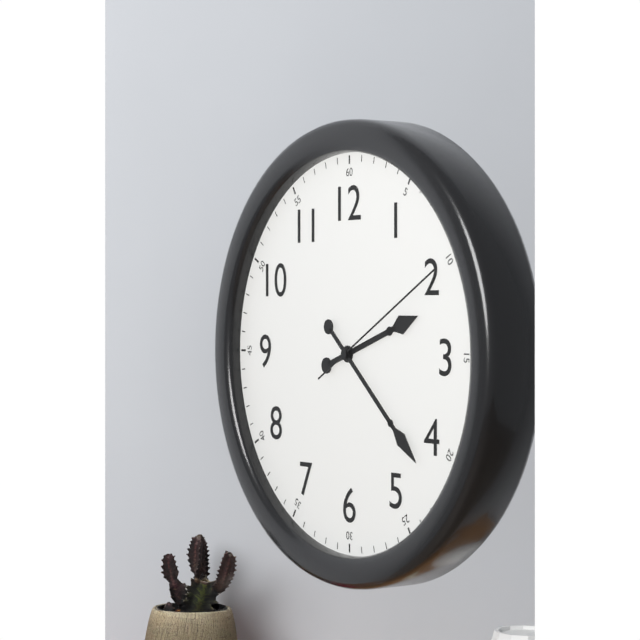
{"hour": 2, "minute": 22, "second": 10}
